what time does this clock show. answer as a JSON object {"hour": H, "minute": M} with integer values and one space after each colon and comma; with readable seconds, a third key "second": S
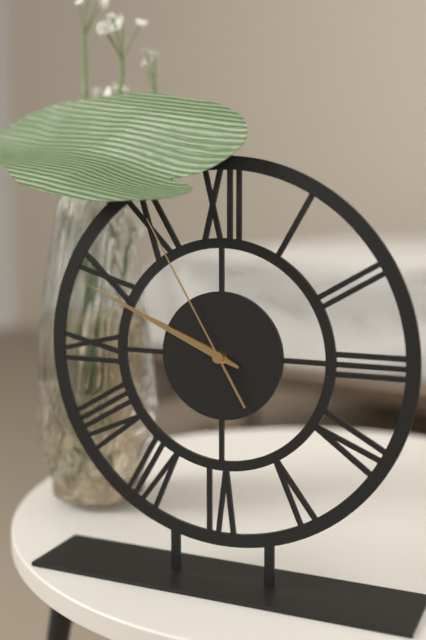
{"hour": 9, "minute": 49, "second": 55}
